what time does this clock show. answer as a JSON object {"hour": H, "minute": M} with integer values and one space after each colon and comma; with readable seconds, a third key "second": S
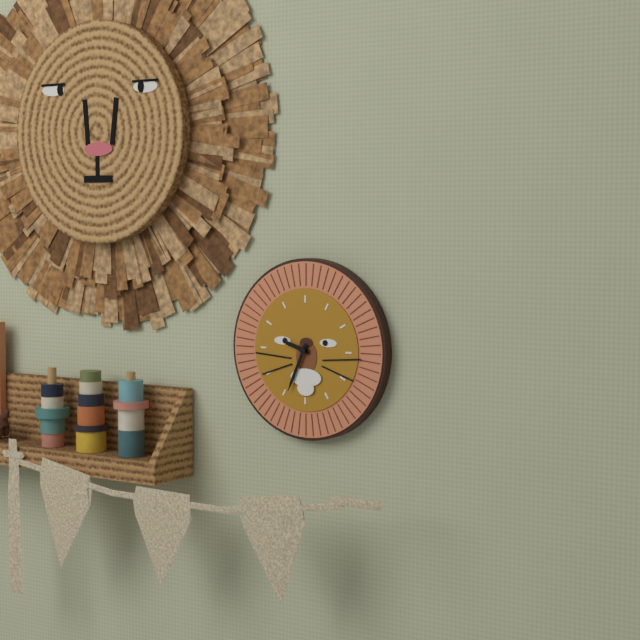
{"hour": 9, "minute": 34}
